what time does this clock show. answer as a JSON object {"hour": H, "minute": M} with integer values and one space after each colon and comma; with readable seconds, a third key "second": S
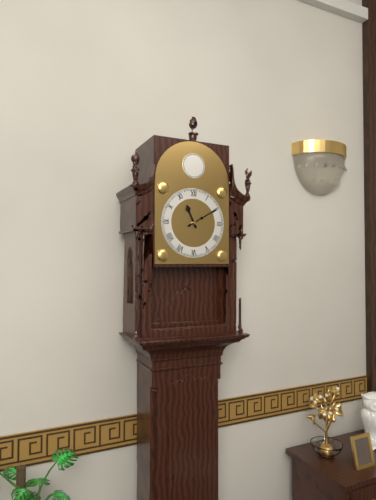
{"hour": 11, "minute": 10}
